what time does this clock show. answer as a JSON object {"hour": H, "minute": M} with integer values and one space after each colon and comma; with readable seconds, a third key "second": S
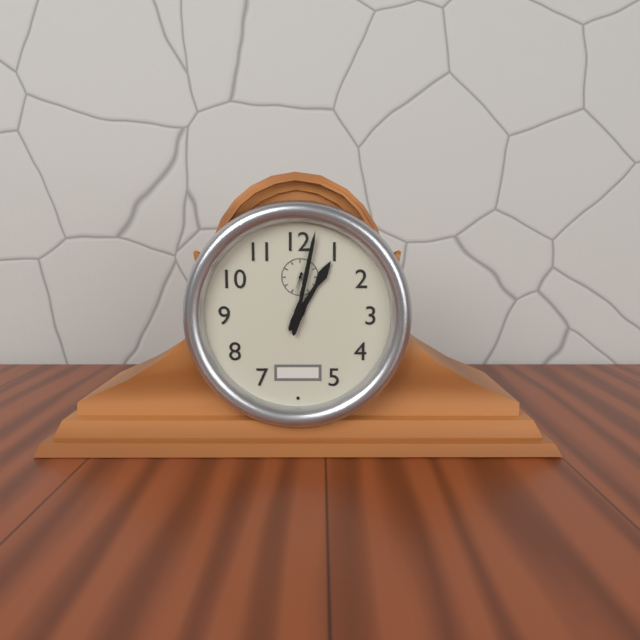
{"hour": 1, "minute": 2}
